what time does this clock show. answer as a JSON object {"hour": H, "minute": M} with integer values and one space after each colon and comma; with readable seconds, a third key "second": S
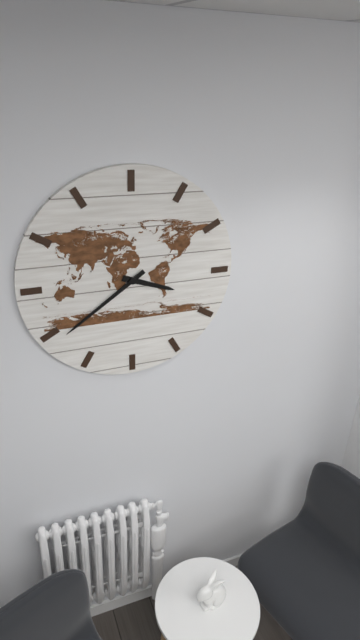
{"hour": 3, "minute": 39}
